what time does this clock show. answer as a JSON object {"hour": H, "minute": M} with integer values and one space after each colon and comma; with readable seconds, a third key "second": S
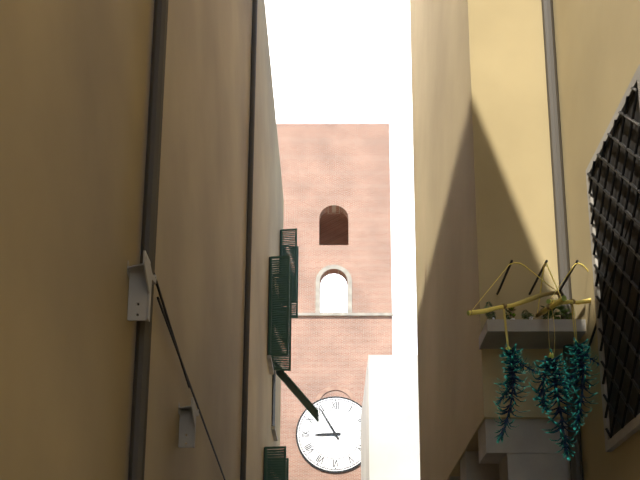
{"hour": 8, "minute": 55}
